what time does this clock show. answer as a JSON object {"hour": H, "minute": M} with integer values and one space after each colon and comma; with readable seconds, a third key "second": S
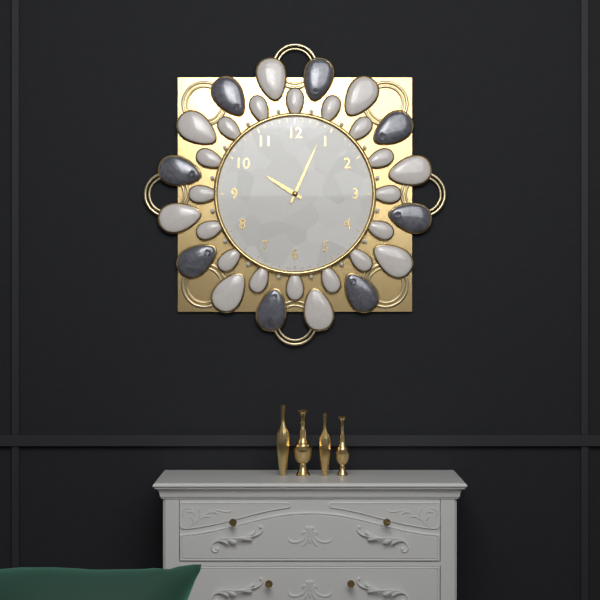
{"hour": 10, "minute": 4}
